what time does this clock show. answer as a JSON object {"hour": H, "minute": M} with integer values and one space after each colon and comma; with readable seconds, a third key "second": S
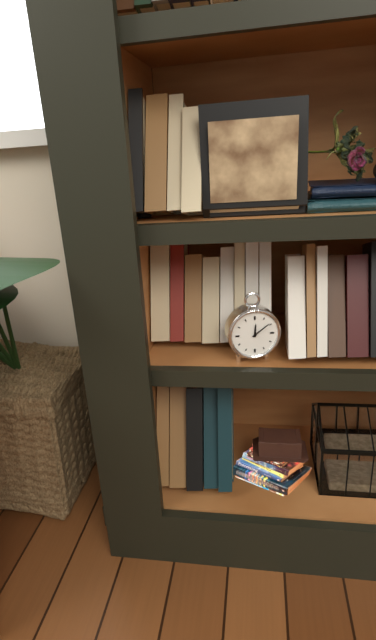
{"hour": 12, "minute": 9}
